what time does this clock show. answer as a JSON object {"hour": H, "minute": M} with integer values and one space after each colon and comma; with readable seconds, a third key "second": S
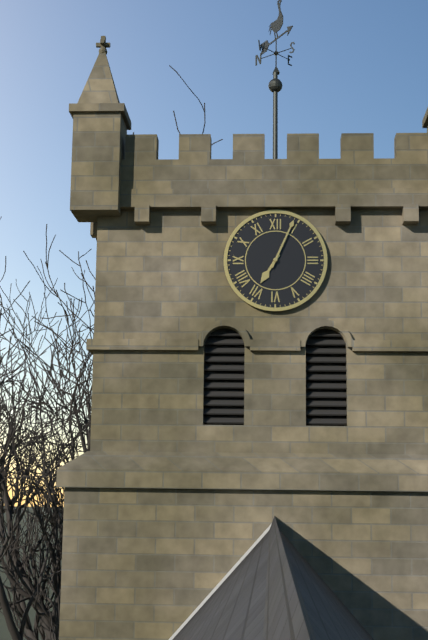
{"hour": 7, "minute": 4}
